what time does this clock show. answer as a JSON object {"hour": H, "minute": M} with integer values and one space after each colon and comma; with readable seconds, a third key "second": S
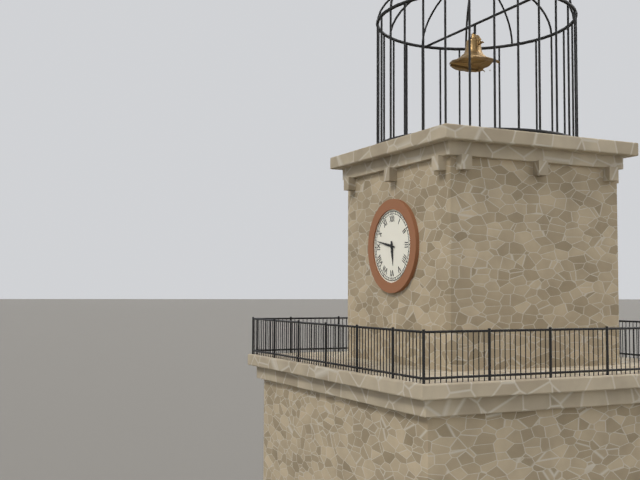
{"hour": 5, "minute": 47}
